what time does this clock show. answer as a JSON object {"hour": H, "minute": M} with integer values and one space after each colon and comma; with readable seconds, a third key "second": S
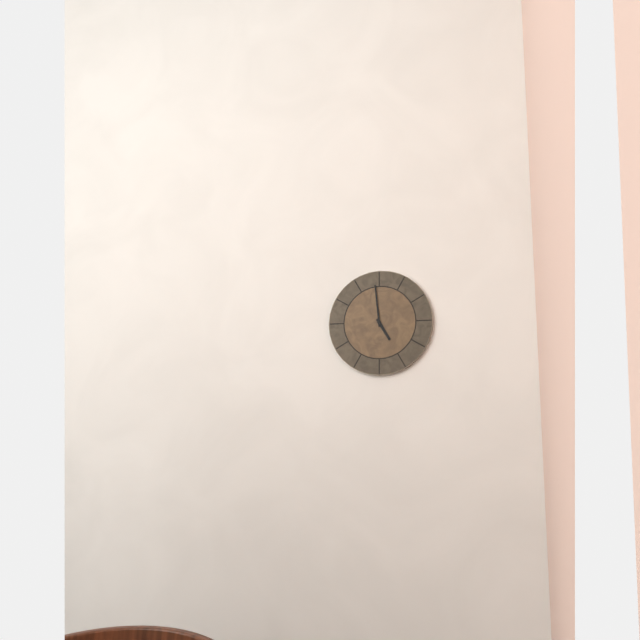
{"hour": 4, "minute": 59}
